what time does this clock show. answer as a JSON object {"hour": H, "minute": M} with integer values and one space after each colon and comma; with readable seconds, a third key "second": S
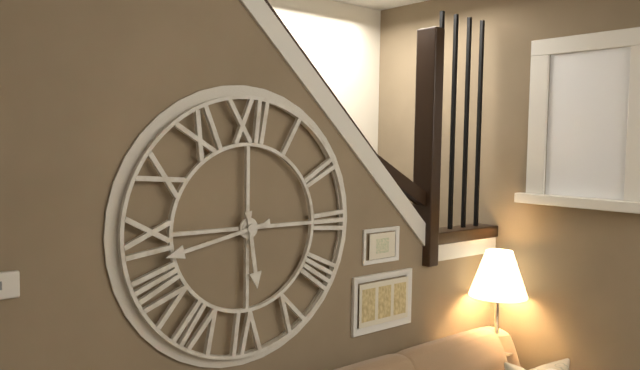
{"hour": 5, "minute": 43}
